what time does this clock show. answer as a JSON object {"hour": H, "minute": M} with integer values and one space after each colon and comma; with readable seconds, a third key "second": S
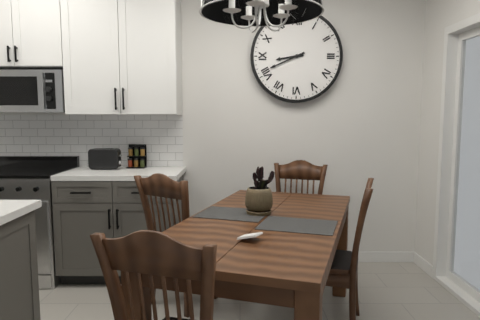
{"hour": 8, "minute": 41}
